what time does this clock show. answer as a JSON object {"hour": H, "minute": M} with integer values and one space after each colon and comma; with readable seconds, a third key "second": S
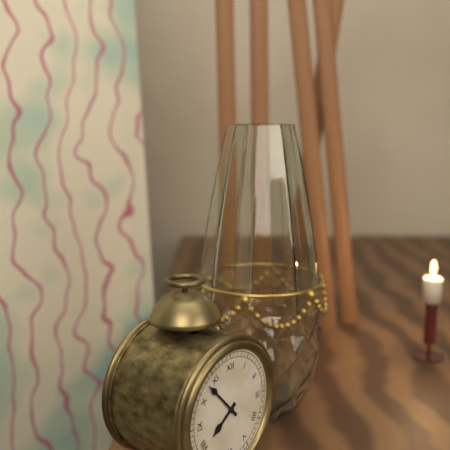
{"hour": 7, "minute": 53}
